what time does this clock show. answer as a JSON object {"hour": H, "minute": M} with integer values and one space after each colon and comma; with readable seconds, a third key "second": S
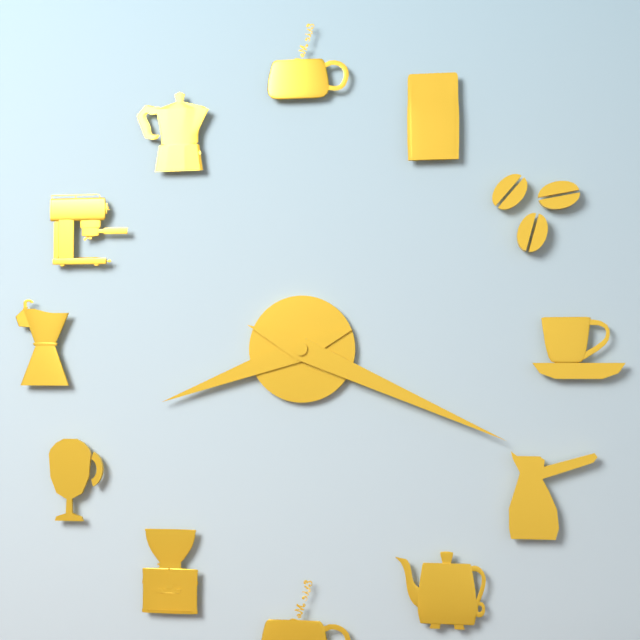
{"hour": 8, "minute": 19}
